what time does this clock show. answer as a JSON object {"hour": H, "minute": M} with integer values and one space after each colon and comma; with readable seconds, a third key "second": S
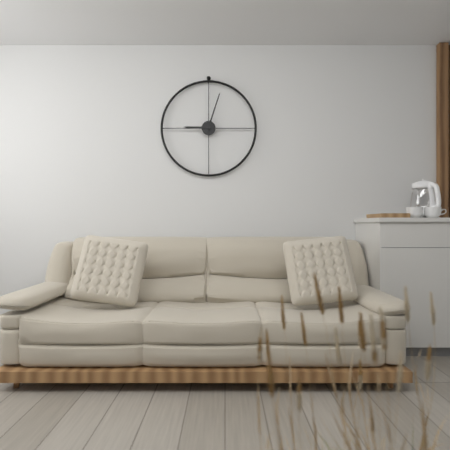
{"hour": 9, "minute": 3}
